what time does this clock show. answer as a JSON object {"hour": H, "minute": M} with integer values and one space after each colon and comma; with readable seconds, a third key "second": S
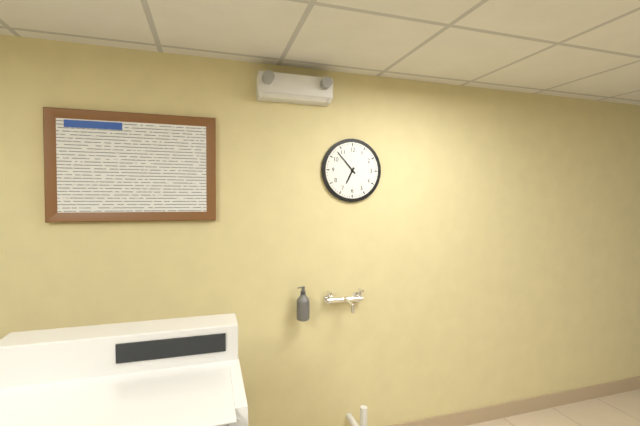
{"hour": 6, "minute": 53}
